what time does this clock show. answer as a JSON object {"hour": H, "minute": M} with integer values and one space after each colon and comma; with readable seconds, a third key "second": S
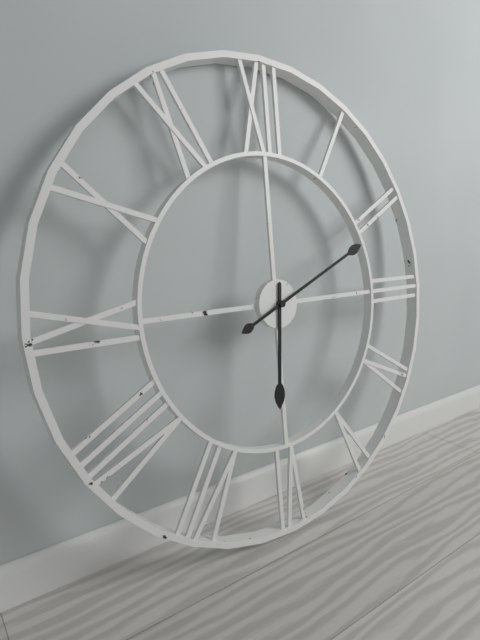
{"hour": 6, "minute": 11}
